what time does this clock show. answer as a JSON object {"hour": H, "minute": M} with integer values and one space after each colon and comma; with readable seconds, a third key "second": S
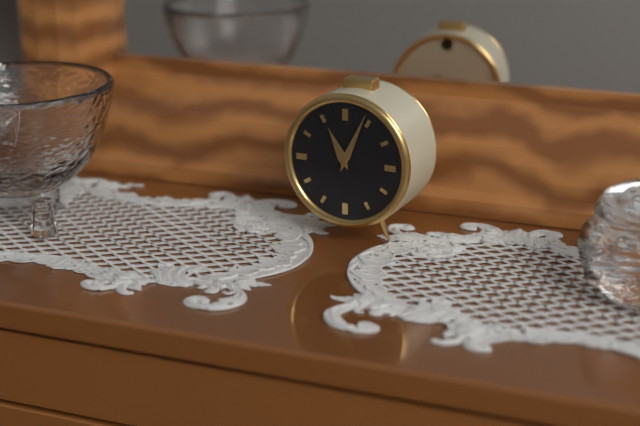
{"hour": 11, "minute": 4}
